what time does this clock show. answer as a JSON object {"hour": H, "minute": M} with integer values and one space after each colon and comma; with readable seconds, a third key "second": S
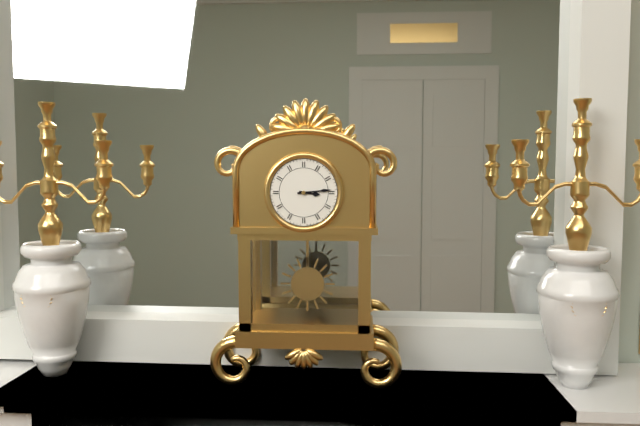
{"hour": 3, "minute": 14}
